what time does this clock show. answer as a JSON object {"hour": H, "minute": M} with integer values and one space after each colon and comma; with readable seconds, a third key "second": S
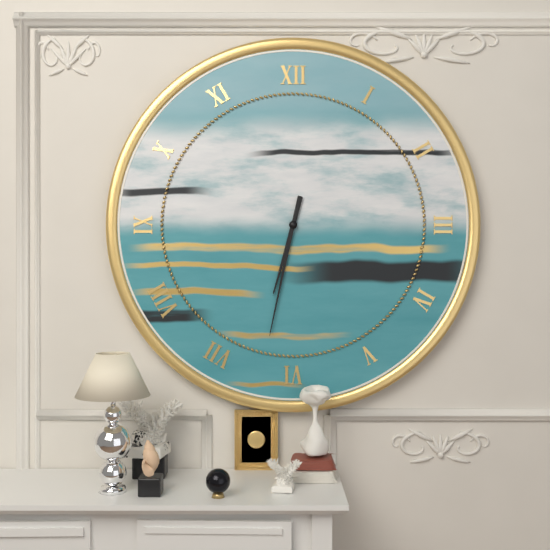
{"hour": 6, "minute": 32}
